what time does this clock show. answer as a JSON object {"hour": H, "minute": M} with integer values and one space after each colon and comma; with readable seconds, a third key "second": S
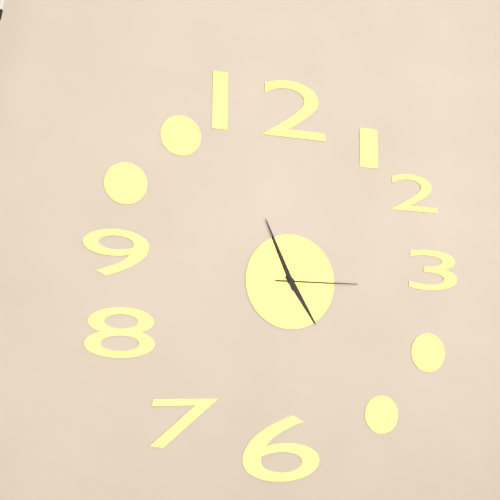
{"hour": 4, "minute": 56, "second": 15}
